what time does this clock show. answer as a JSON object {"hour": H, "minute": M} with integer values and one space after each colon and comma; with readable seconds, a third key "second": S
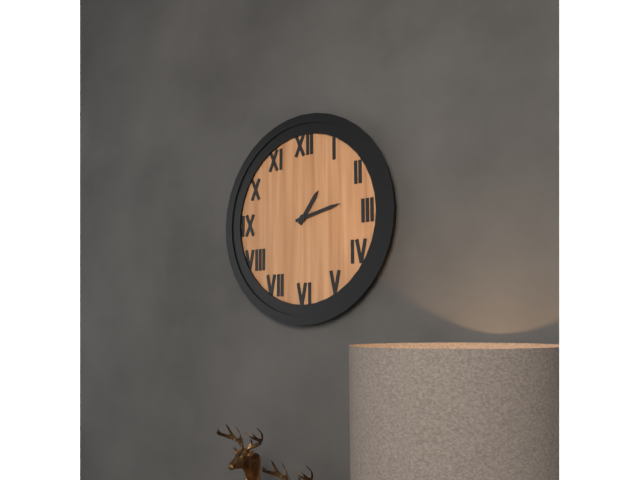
{"hour": 1, "minute": 13}
